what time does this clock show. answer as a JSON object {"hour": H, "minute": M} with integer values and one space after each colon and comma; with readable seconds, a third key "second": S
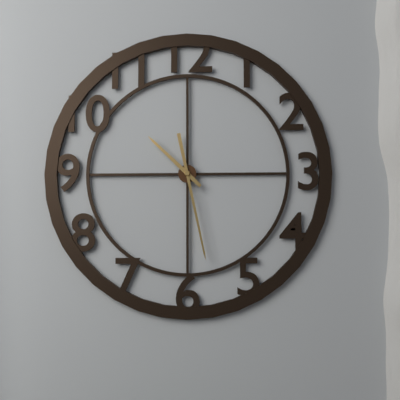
{"hour": 10, "minute": 28}
